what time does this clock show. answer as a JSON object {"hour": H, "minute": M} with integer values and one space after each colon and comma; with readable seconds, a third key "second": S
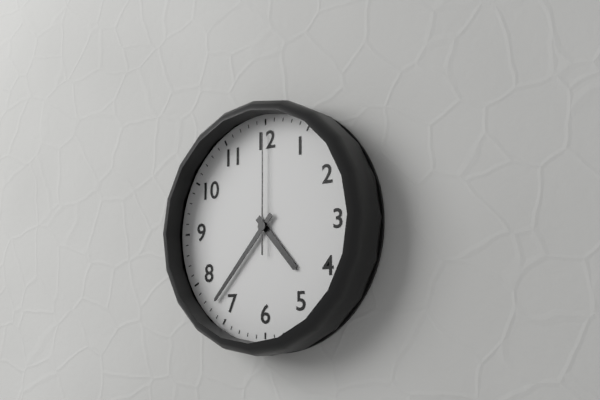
{"hour": 4, "minute": 37, "second": 0}
